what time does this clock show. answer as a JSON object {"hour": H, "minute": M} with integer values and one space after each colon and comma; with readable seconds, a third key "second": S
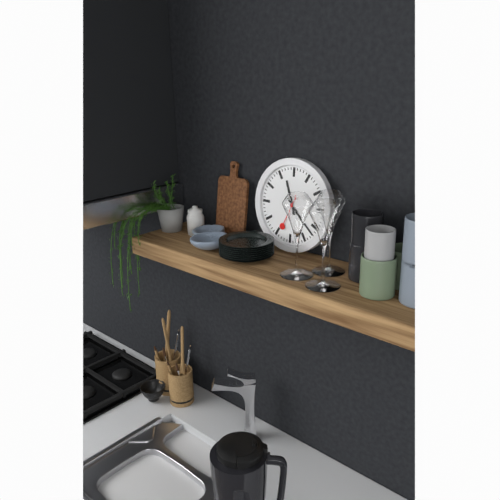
{"hour": 11, "minute": 22}
